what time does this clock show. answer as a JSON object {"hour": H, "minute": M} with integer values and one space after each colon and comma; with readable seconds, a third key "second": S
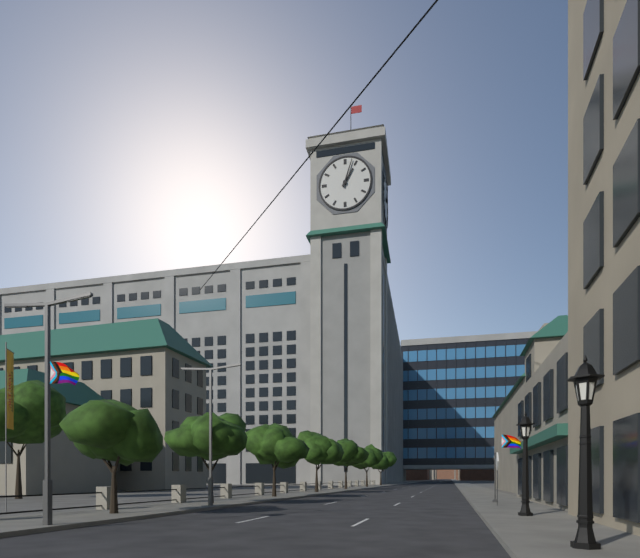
{"hour": 1, "minute": 3}
